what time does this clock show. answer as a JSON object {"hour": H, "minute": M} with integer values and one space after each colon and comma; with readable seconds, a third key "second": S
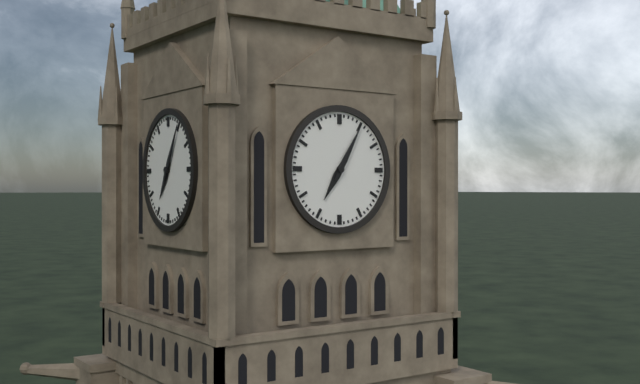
{"hour": 7, "minute": 5}
